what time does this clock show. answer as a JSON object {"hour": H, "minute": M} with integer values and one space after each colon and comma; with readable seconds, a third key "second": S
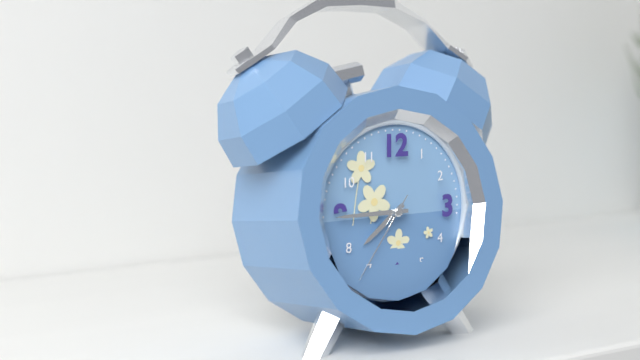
{"hour": 7, "minute": 45, "second": 36}
